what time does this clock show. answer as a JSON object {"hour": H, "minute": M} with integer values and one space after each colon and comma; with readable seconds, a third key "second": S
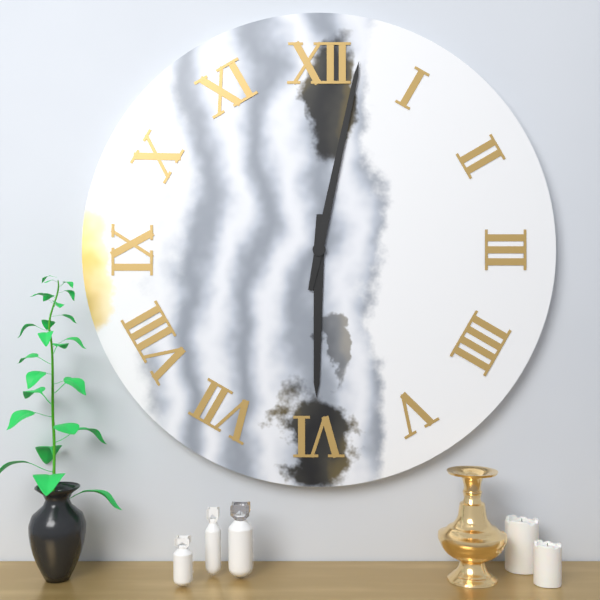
{"hour": 6, "minute": 2}
